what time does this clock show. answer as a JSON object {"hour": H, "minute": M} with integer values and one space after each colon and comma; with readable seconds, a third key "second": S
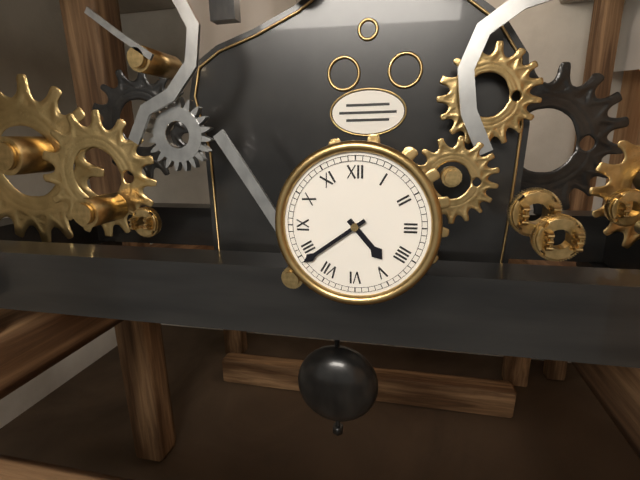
{"hour": 4, "minute": 39}
